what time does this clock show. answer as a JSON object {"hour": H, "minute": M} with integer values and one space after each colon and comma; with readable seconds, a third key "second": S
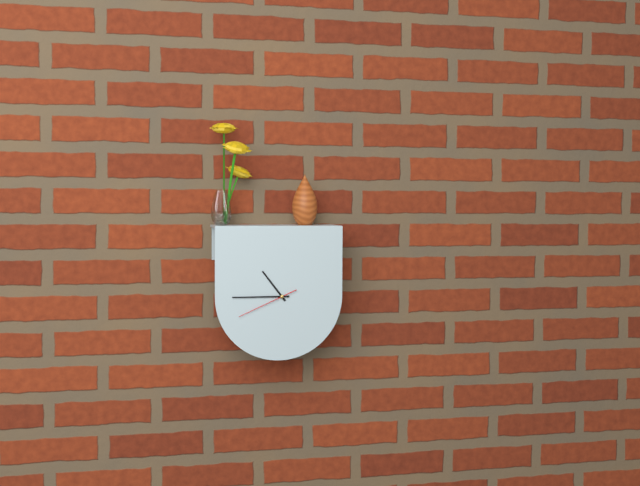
{"hour": 10, "minute": 45, "second": 41}
